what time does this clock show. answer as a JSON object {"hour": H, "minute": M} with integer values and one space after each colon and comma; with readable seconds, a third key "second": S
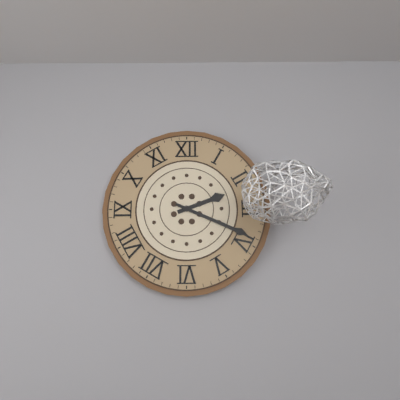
{"hour": 2, "minute": 19}
